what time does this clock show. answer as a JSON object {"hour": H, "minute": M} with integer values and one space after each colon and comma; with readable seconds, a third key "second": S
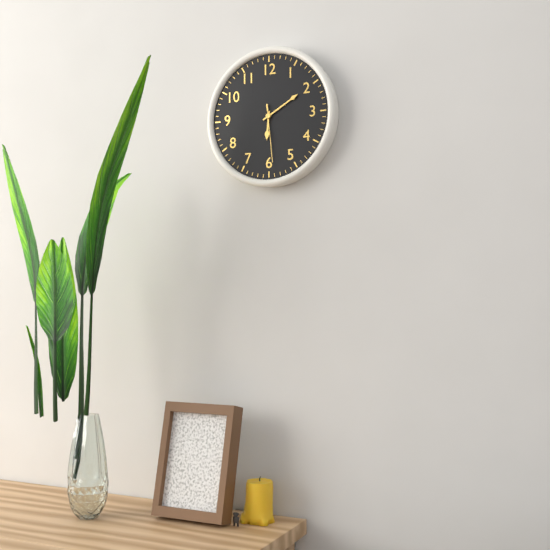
{"hour": 6, "minute": 10, "second": 29}
